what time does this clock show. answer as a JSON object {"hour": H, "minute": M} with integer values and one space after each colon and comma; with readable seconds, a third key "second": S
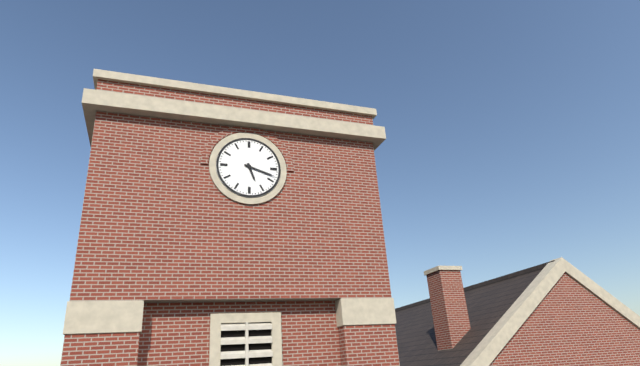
{"hour": 5, "minute": 18}
